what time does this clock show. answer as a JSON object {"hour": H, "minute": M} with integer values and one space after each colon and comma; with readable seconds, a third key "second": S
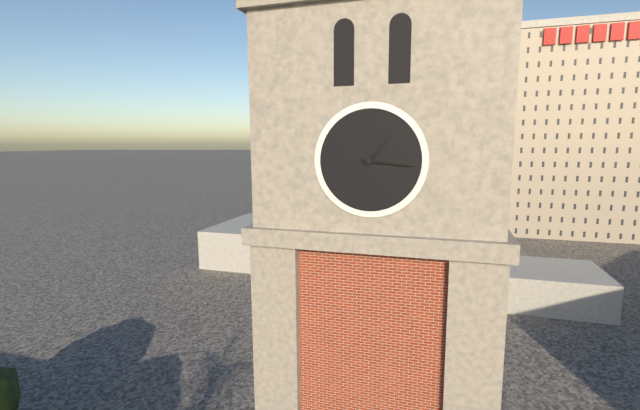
{"hour": 1, "minute": 16}
